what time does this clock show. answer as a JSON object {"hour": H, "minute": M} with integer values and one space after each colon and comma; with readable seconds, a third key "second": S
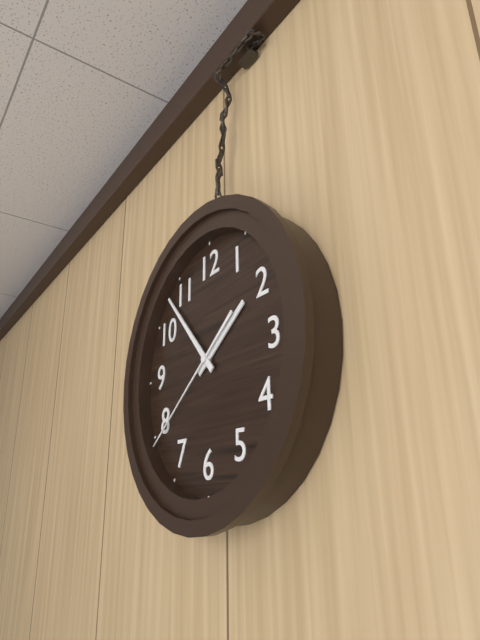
{"hour": 1, "minute": 53, "second": 39}
